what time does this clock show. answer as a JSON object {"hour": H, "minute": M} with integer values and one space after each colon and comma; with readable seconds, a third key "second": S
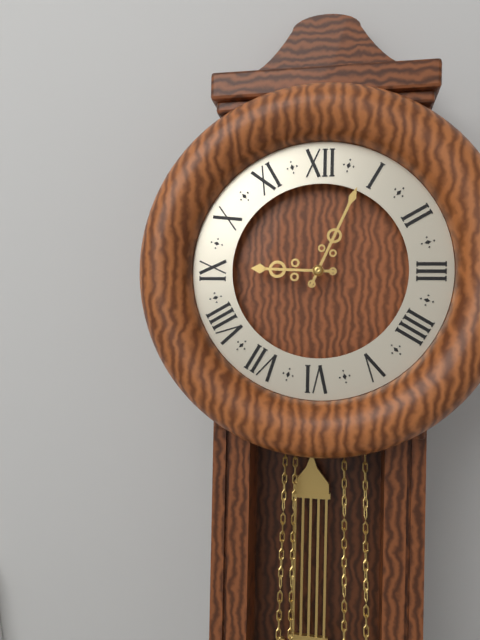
{"hour": 9, "minute": 4}
